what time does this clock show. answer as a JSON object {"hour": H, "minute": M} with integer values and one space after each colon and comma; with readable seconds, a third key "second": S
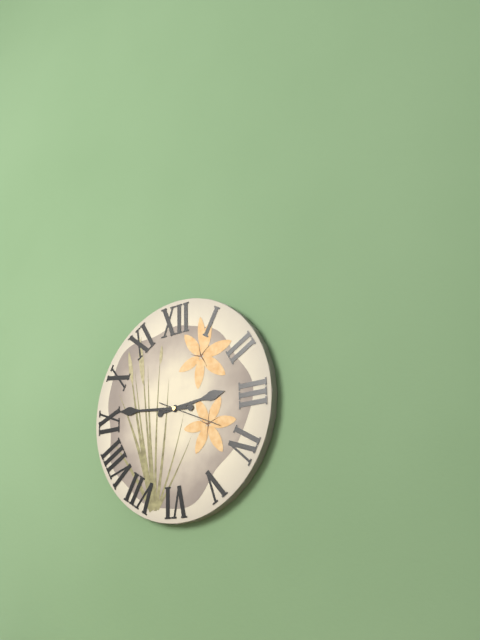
{"hour": 2, "minute": 46, "second": 19}
